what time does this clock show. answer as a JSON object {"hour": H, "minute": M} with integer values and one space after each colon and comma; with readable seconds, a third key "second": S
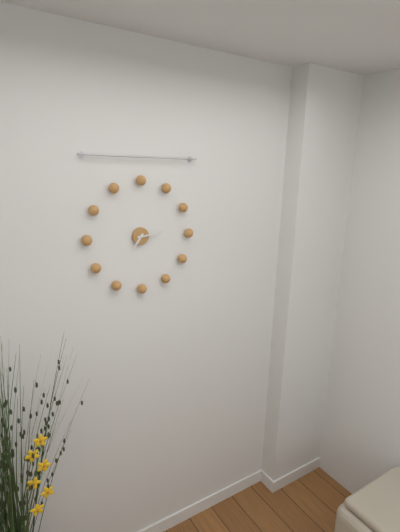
{"hour": 7, "minute": 14}
